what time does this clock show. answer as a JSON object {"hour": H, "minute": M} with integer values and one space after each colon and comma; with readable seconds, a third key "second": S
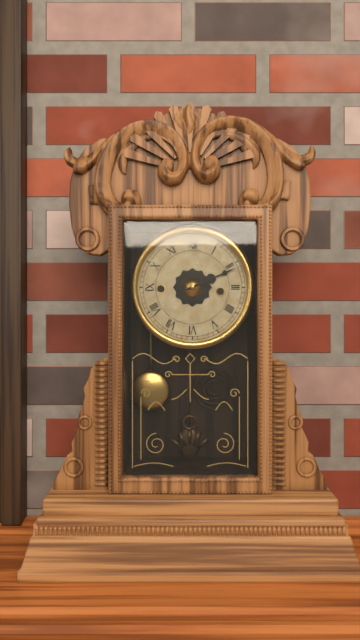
{"hour": 2, "minute": 11}
